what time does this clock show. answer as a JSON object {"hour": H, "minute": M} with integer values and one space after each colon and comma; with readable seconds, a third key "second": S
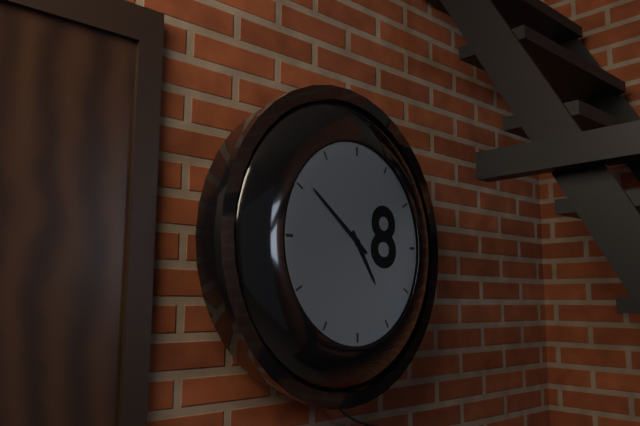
{"hour": 4, "minute": 51}
